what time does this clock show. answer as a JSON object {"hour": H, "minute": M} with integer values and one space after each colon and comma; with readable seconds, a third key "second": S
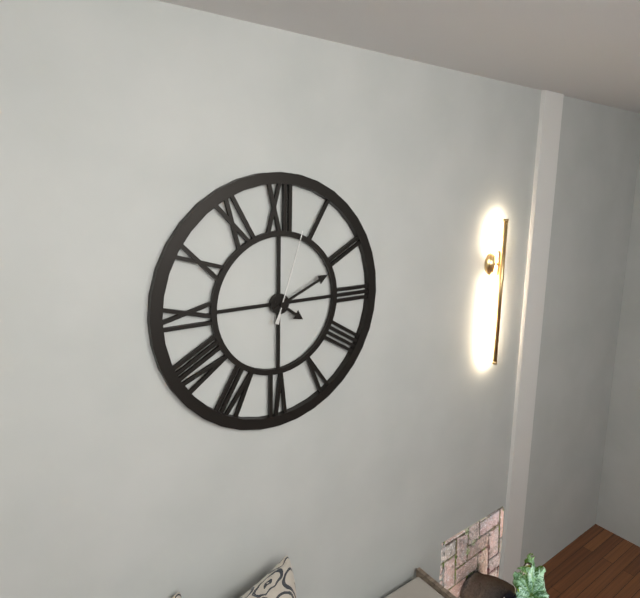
{"hour": 4, "minute": 11, "second": 3}
